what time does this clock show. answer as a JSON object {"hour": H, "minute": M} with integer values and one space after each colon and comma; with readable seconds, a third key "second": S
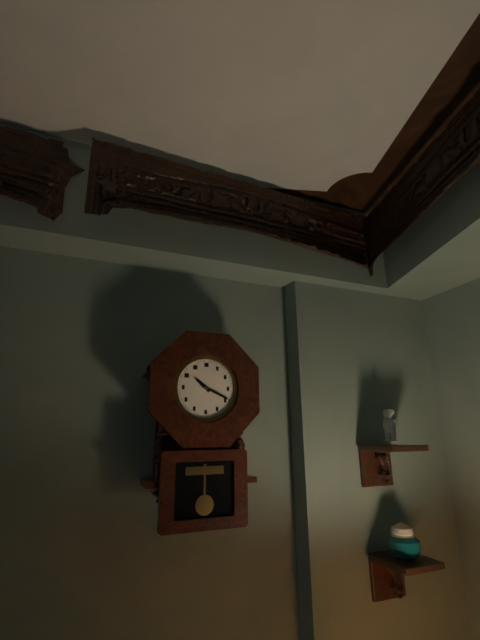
{"hour": 10, "minute": 19}
